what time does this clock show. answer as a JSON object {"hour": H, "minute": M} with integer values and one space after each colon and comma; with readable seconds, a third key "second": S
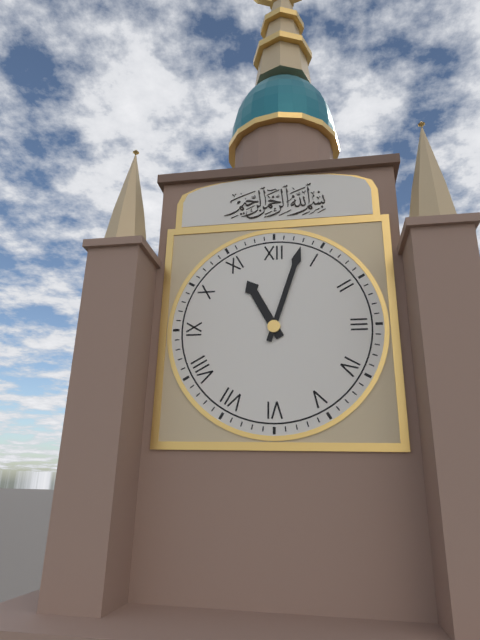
{"hour": 11, "minute": 3}
